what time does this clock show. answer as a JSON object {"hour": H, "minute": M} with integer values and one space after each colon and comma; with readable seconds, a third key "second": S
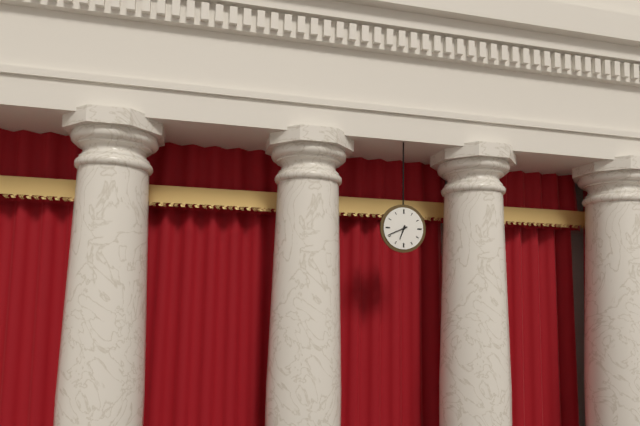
{"hour": 6, "minute": 41}
